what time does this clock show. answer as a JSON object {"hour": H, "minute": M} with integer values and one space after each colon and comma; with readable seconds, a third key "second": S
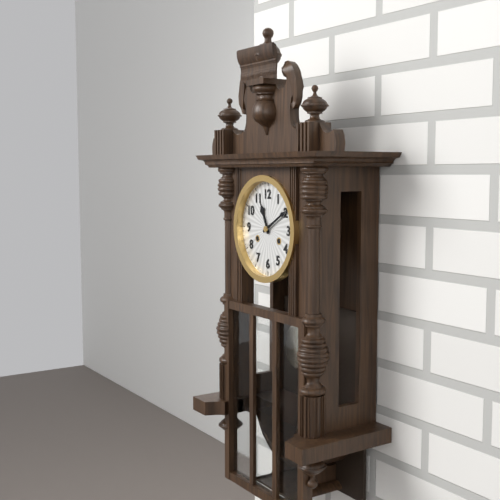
{"hour": 11, "minute": 10}
